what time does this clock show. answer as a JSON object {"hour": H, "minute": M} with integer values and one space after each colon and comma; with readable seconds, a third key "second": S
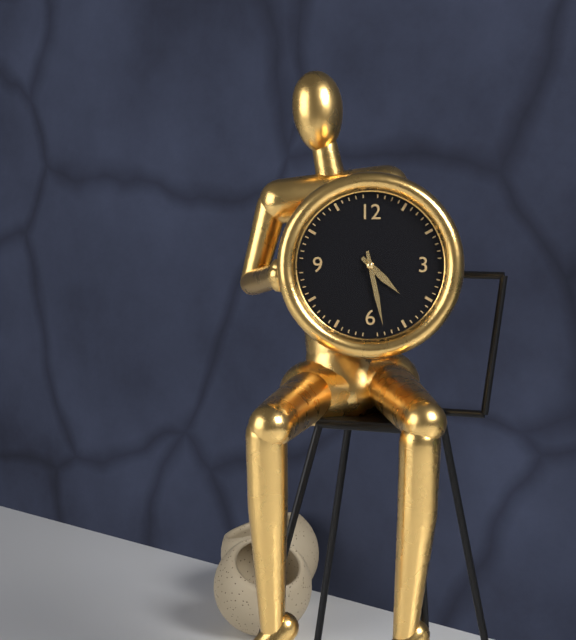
{"hour": 4, "minute": 28}
